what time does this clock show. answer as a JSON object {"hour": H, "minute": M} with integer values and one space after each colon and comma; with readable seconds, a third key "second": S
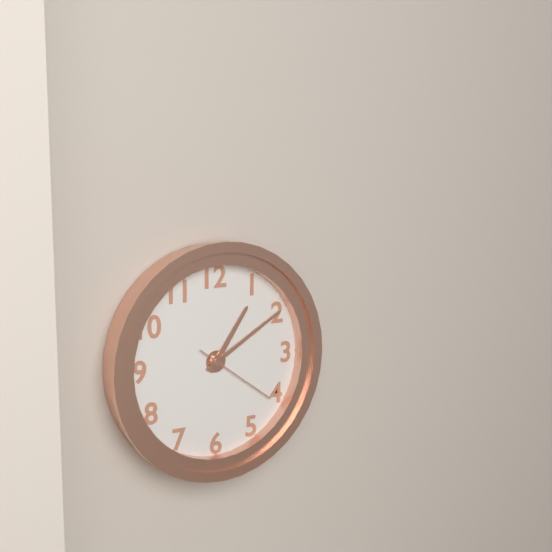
{"hour": 1, "minute": 10, "second": 21}
